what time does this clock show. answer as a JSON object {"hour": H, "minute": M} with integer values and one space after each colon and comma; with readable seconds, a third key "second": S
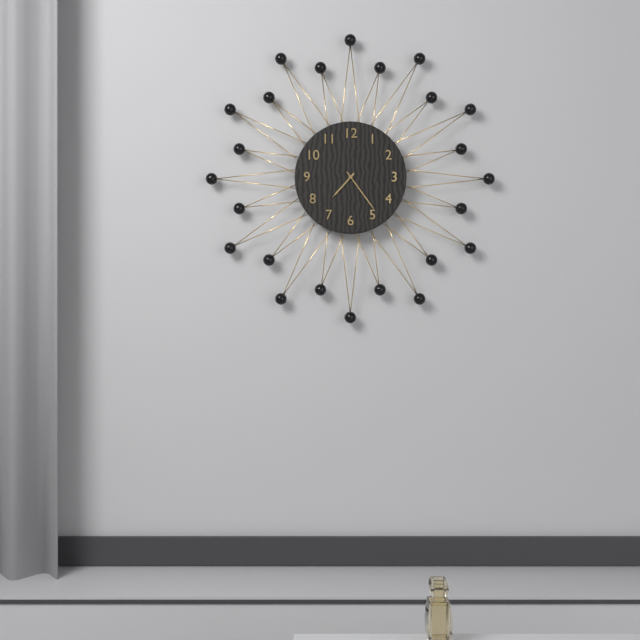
{"hour": 7, "minute": 24}
